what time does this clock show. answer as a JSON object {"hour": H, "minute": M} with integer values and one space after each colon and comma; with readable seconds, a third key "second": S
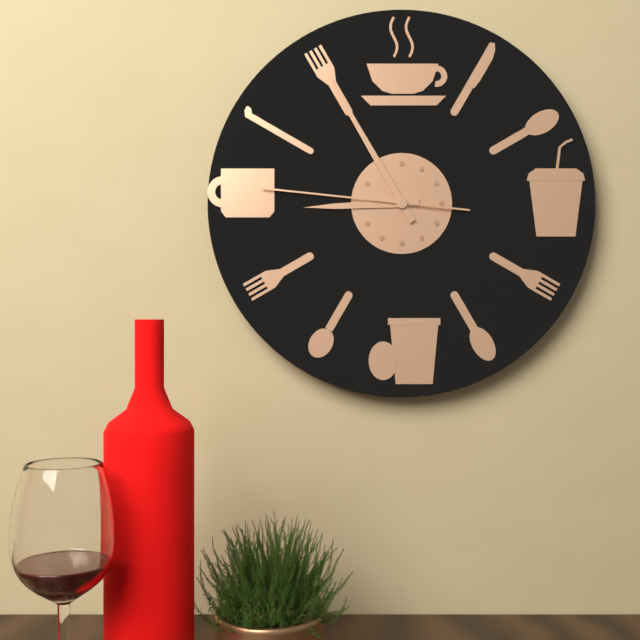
{"hour": 8, "minute": 55, "second": 46}
